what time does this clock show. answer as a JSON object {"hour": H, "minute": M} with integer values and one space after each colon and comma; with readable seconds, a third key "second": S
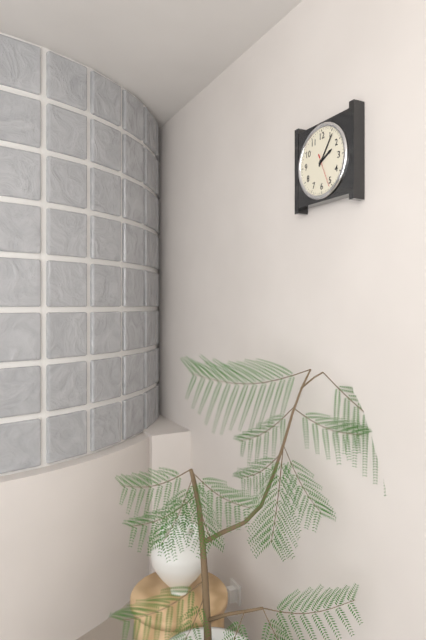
{"hour": 2, "minute": 6}
